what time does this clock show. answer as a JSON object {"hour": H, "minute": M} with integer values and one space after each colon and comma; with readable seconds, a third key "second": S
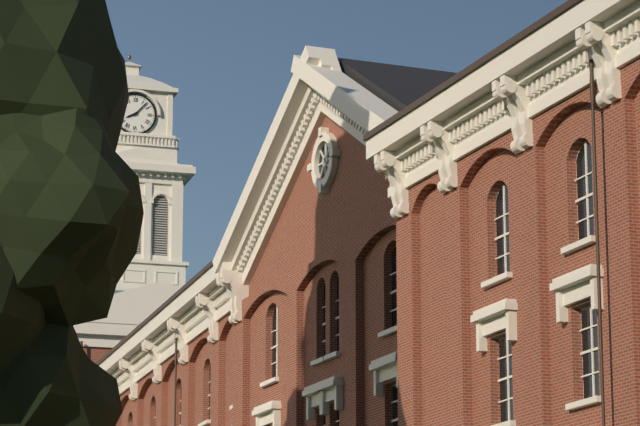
{"hour": 8, "minute": 7}
